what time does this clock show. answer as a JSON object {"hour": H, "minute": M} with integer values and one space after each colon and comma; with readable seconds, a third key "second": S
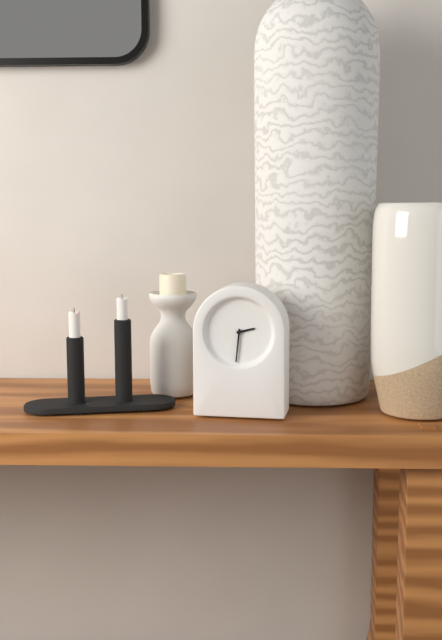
{"hour": 2, "minute": 31}
